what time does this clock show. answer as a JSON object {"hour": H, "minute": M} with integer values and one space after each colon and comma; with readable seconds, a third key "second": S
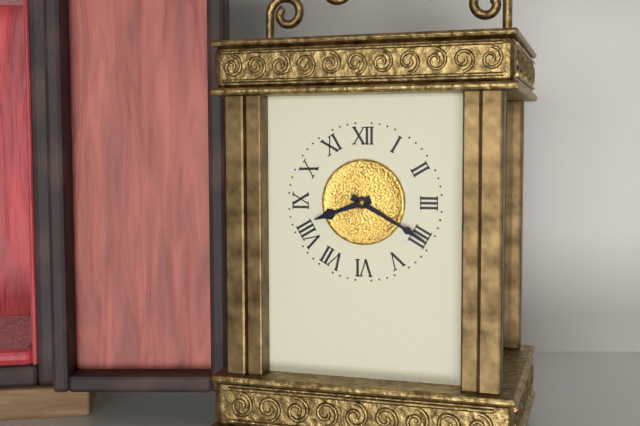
{"hour": 8, "minute": 20}
